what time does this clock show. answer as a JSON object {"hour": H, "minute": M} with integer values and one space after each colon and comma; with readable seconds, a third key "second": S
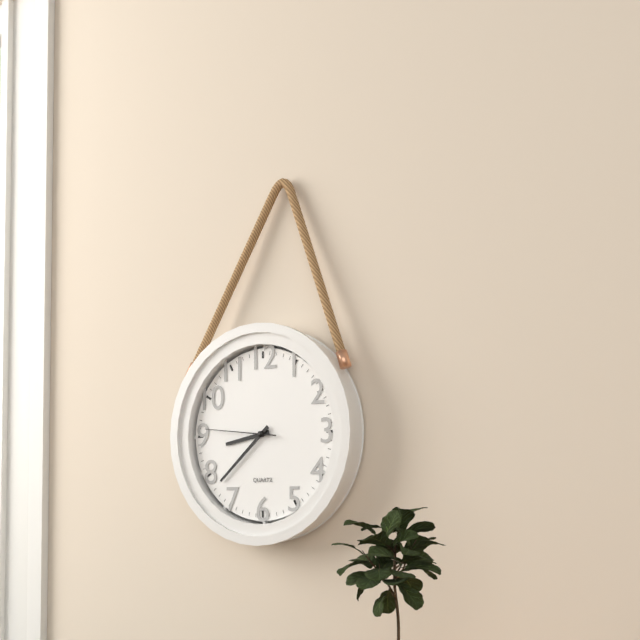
{"hour": 8, "minute": 38, "second": 46}
